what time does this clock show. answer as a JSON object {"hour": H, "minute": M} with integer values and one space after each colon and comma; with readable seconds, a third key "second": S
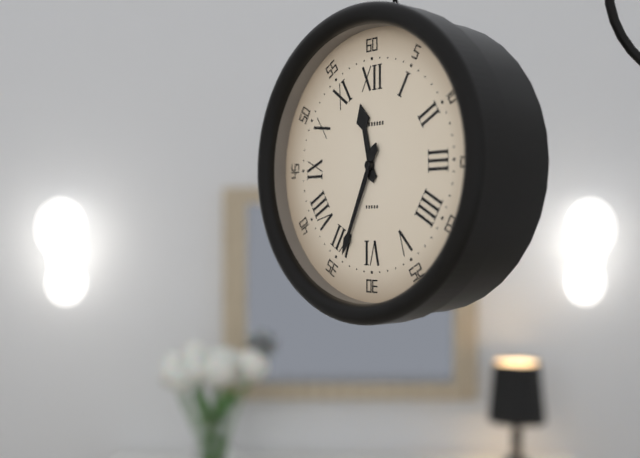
{"hour": 11, "minute": 34}
